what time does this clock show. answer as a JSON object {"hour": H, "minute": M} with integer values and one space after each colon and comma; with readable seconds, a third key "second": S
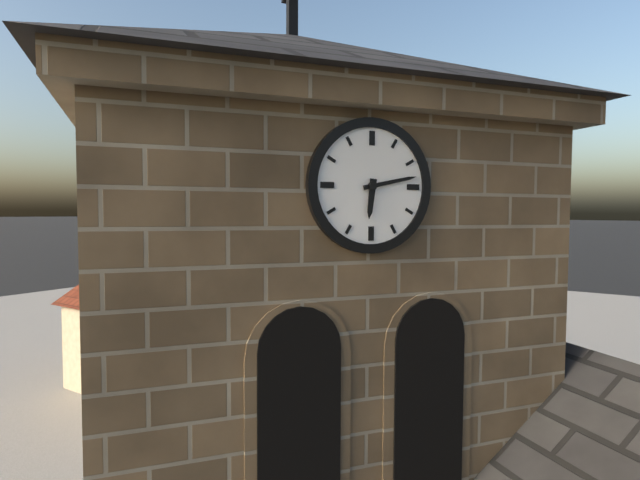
{"hour": 6, "minute": 13}
